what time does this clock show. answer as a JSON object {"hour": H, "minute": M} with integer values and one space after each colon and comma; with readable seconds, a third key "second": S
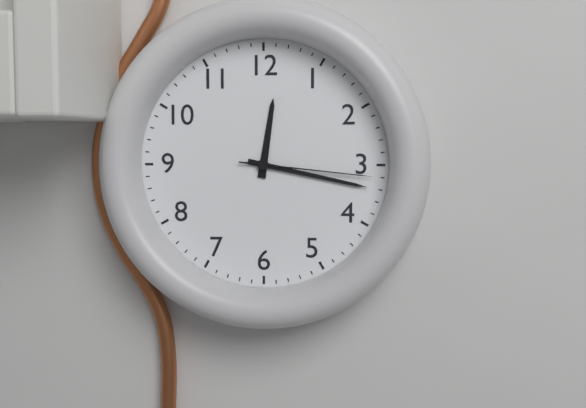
{"hour": 12, "minute": 17, "second": 16}
